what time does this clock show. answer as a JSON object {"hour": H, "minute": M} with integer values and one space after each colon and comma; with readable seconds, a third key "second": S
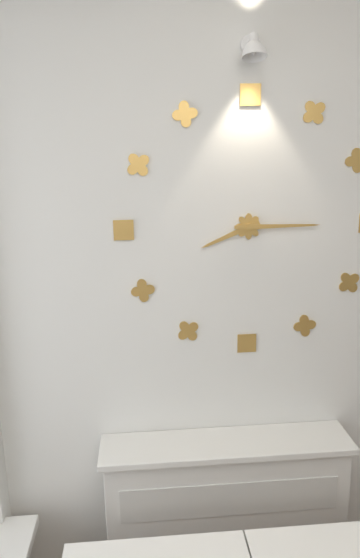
{"hour": 8, "minute": 15}
